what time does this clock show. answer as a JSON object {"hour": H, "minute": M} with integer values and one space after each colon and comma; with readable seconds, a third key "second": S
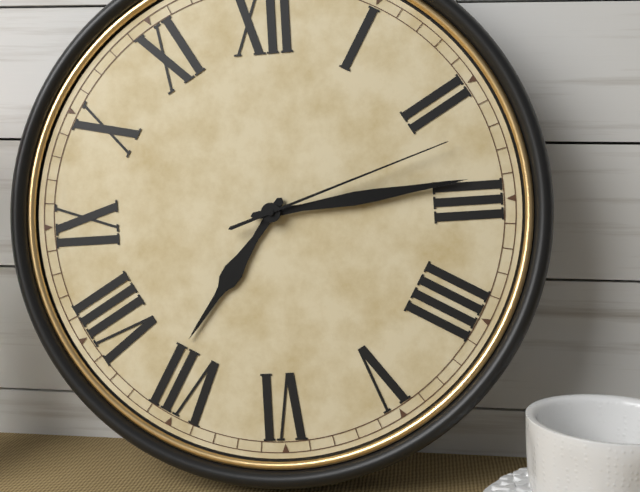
{"hour": 7, "minute": 14, "second": 12}
